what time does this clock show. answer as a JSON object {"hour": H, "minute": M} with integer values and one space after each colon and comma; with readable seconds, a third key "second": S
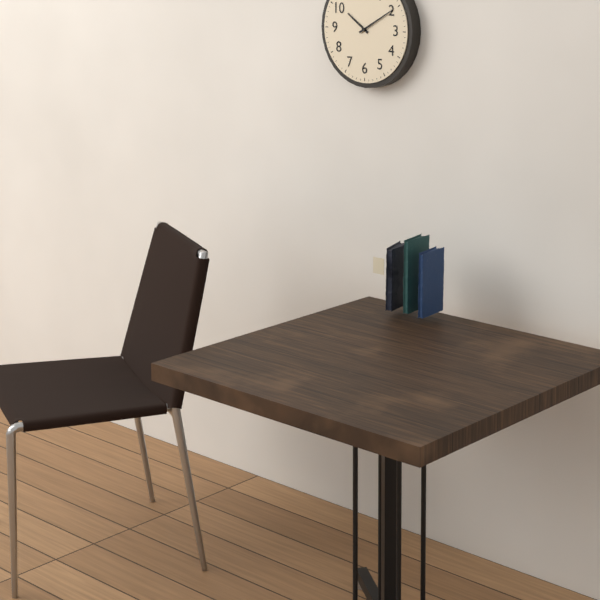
{"hour": 10, "minute": 10}
